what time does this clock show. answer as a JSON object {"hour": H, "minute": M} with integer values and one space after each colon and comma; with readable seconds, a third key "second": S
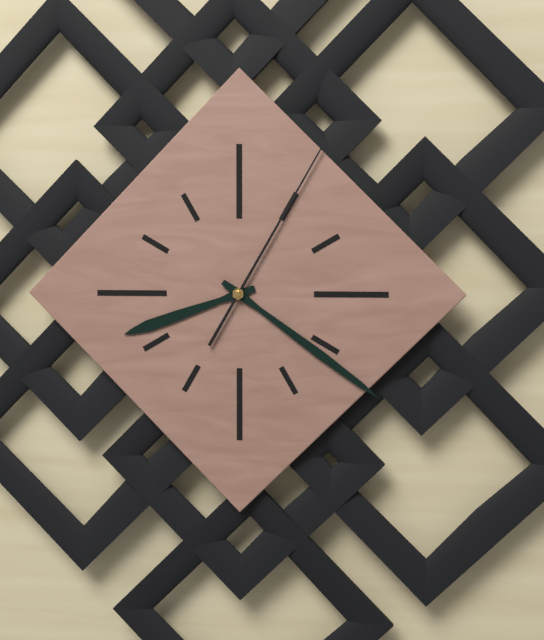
{"hour": 8, "minute": 21, "second": 5}
